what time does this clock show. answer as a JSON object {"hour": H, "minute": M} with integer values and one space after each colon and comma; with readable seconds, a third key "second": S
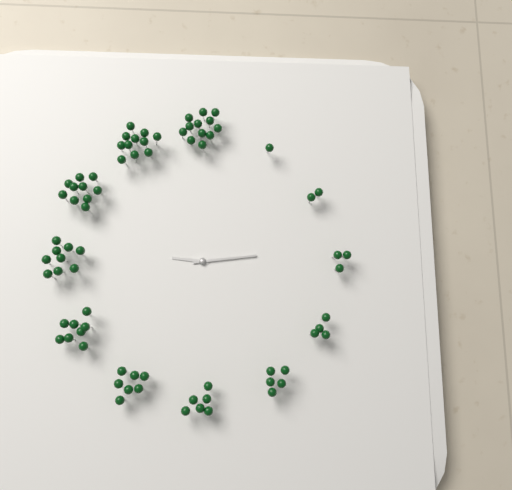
{"hour": 9, "minute": 14}
